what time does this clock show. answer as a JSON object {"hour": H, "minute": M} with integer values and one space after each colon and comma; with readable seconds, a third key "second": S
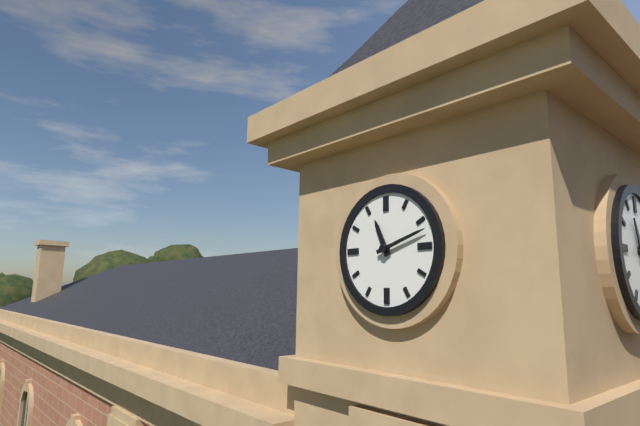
{"hour": 11, "minute": 12}
